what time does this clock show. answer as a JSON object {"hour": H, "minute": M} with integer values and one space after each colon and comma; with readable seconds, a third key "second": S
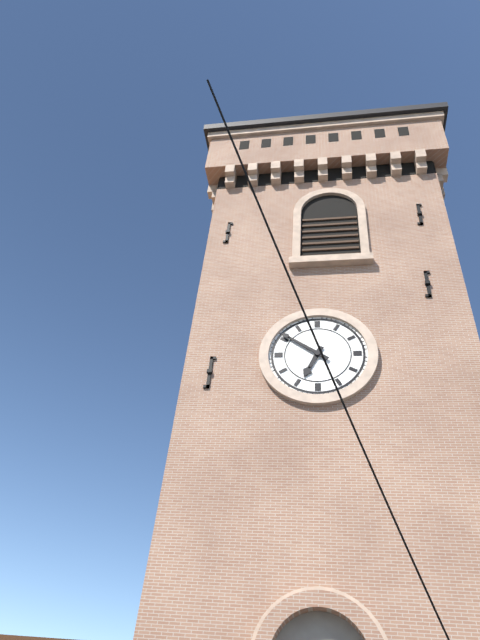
{"hour": 6, "minute": 51}
